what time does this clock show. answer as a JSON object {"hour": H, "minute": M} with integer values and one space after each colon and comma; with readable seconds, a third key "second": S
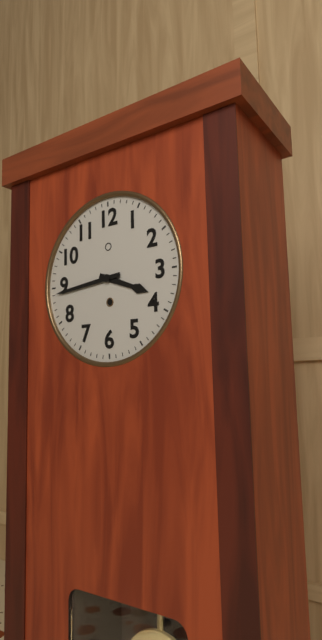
{"hour": 3, "minute": 44}
